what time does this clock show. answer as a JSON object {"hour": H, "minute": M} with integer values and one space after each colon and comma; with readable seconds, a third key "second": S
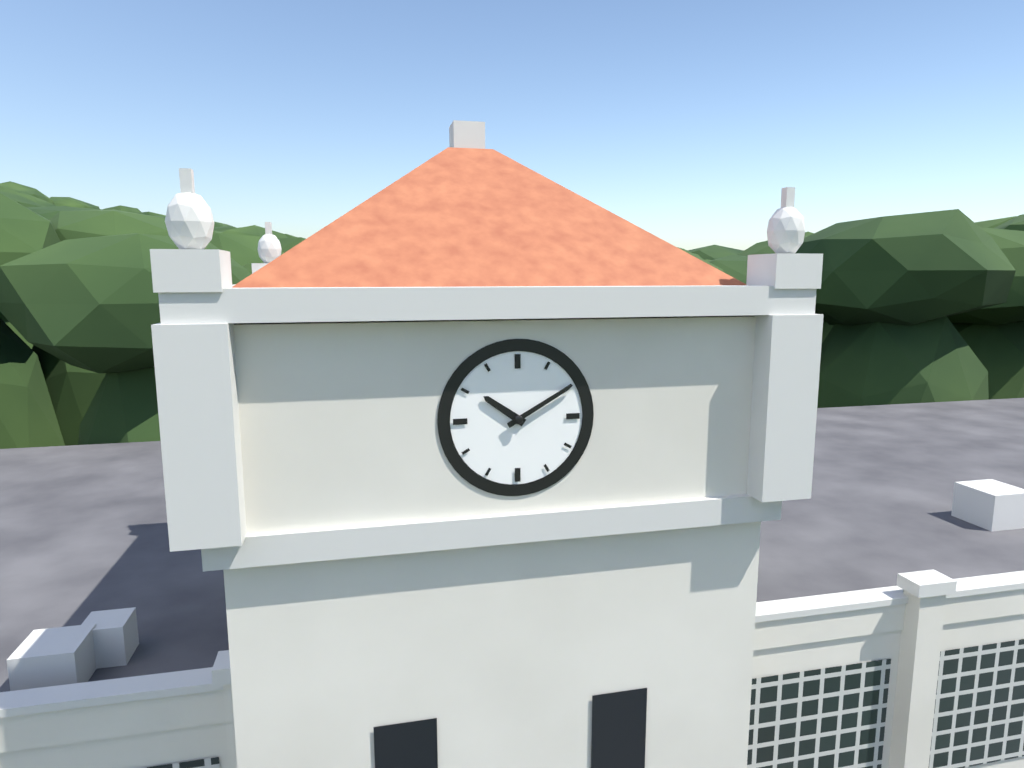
{"hour": 10, "minute": 10}
